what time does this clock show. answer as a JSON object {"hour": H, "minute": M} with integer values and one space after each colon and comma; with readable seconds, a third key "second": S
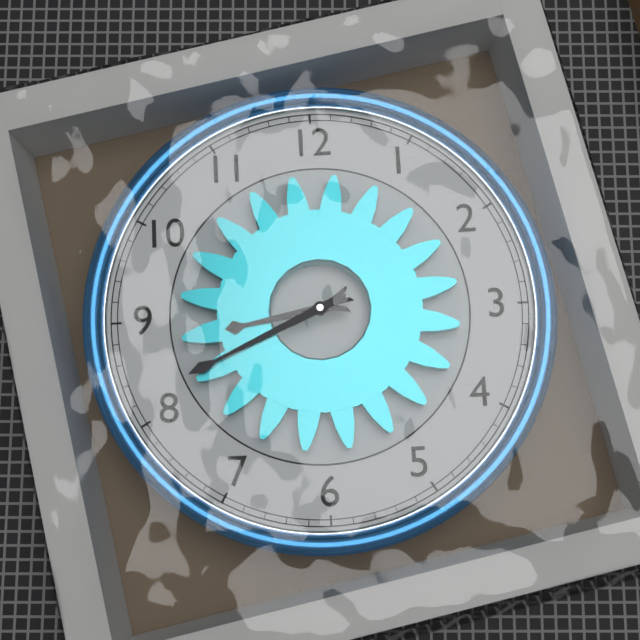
{"hour": 8, "minute": 41}
